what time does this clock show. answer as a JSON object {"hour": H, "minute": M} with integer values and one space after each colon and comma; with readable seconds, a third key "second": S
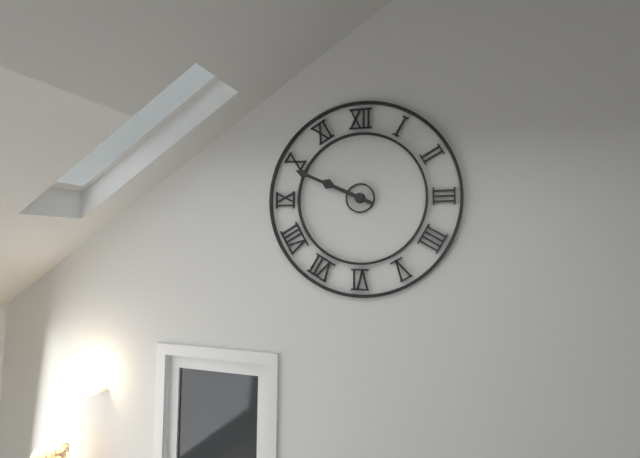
{"hour": 9, "minute": 49}
